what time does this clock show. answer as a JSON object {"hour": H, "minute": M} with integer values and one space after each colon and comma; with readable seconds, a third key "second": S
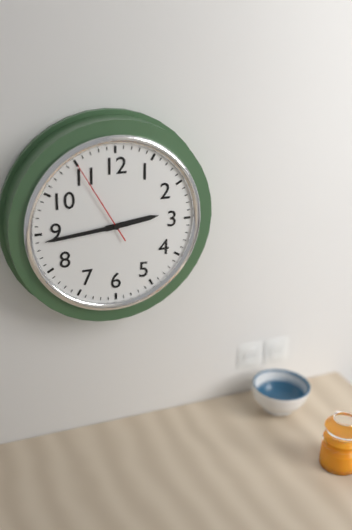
{"hour": 2, "minute": 44, "second": 55}
